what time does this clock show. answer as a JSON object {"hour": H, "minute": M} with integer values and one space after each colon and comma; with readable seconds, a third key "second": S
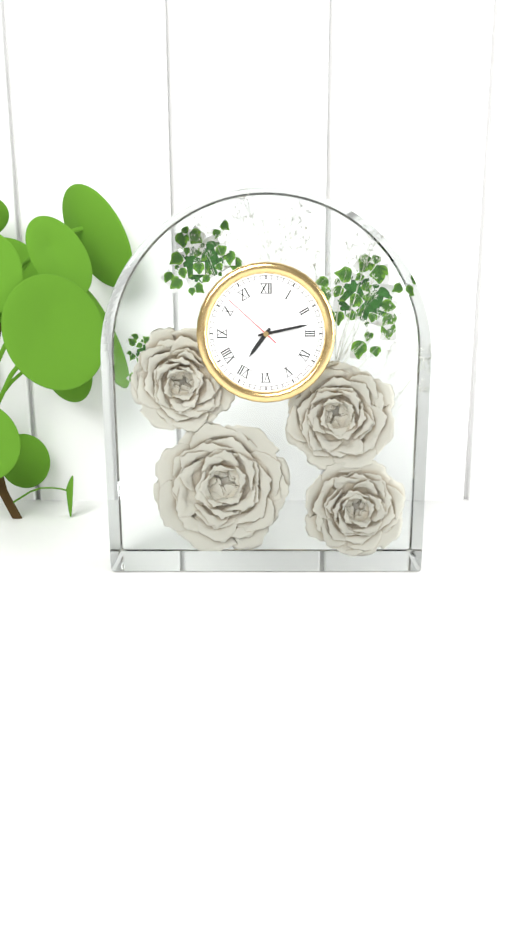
{"hour": 7, "minute": 13, "second": 52}
